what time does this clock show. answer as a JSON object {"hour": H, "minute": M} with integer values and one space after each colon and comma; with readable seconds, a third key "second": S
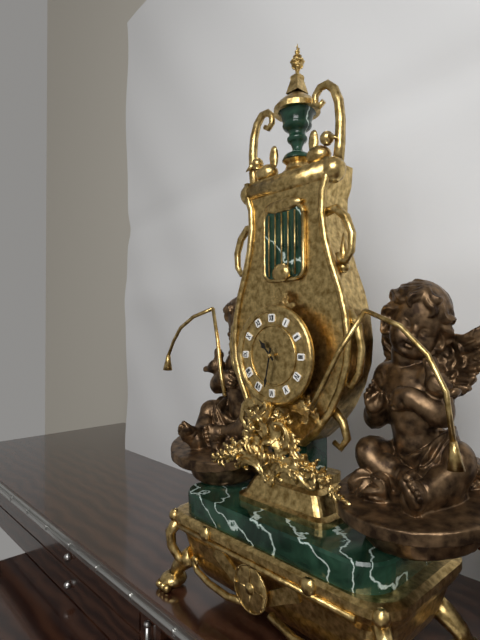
{"hour": 10, "minute": 32}
